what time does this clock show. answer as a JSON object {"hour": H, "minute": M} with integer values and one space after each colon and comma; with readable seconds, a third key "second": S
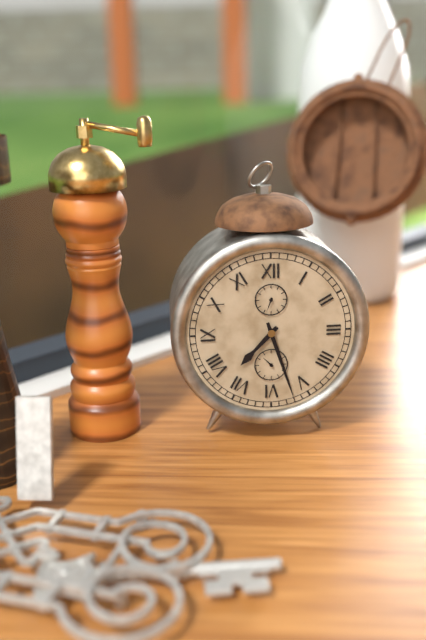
{"hour": 7, "minute": 27}
